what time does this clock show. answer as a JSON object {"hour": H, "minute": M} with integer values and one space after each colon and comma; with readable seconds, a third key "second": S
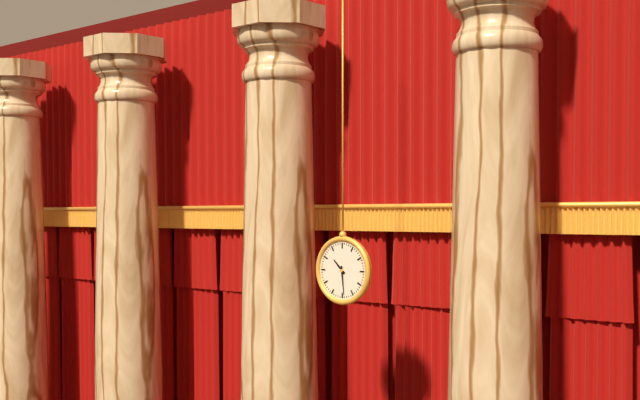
{"hour": 10, "minute": 29}
